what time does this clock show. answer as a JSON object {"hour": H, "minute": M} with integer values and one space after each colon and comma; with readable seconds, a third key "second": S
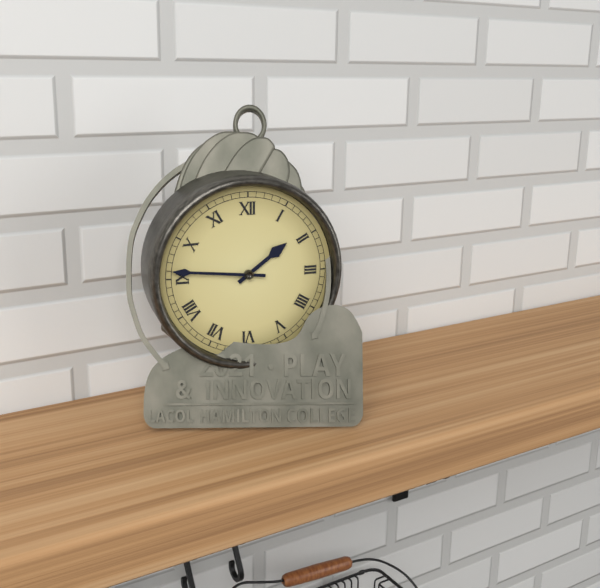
{"hour": 1, "minute": 46}
